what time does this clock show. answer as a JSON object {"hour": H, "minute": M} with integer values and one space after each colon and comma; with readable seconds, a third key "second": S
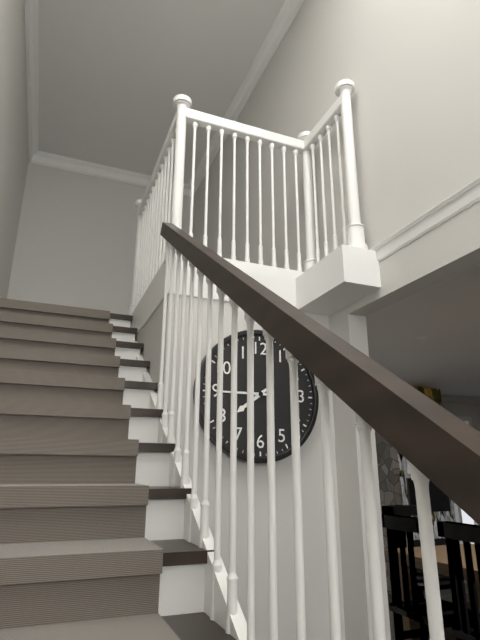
{"hour": 7, "minute": 45}
